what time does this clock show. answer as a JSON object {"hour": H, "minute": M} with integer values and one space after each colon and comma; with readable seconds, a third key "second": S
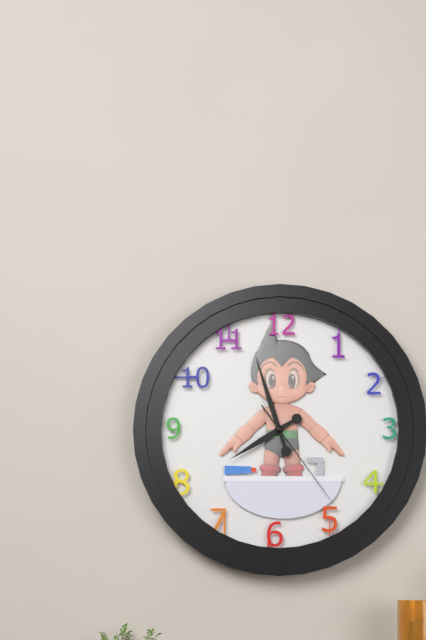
{"hour": 7, "minute": 57, "second": 24}
